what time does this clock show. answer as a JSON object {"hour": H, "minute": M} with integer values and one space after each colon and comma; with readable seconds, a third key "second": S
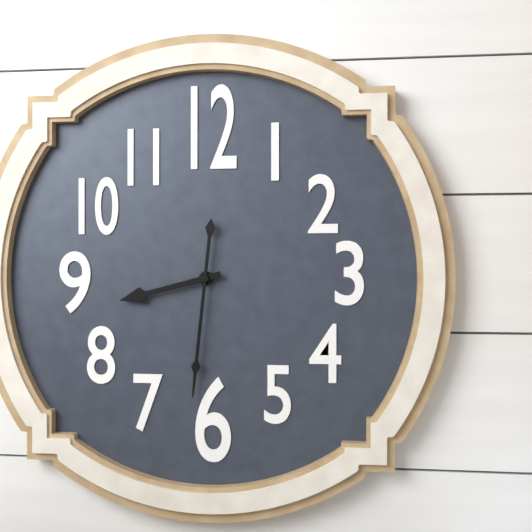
{"hour": 8, "minute": 31}
